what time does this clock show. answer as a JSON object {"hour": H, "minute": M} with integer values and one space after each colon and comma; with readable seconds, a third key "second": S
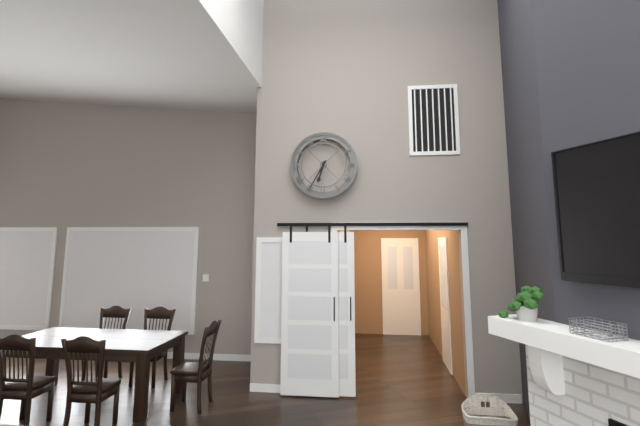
{"hour": 6, "minute": 35}
